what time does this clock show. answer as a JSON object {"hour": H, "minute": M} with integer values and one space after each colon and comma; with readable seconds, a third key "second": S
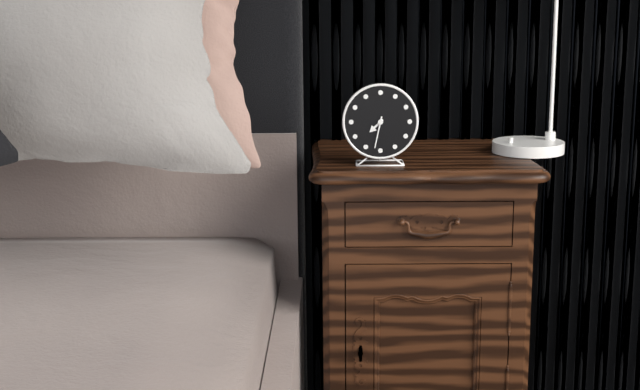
{"hour": 7, "minute": 32}
